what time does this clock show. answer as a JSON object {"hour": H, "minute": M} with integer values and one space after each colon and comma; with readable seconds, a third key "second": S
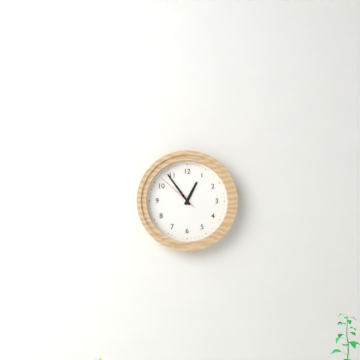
{"hour": 12, "minute": 54}
